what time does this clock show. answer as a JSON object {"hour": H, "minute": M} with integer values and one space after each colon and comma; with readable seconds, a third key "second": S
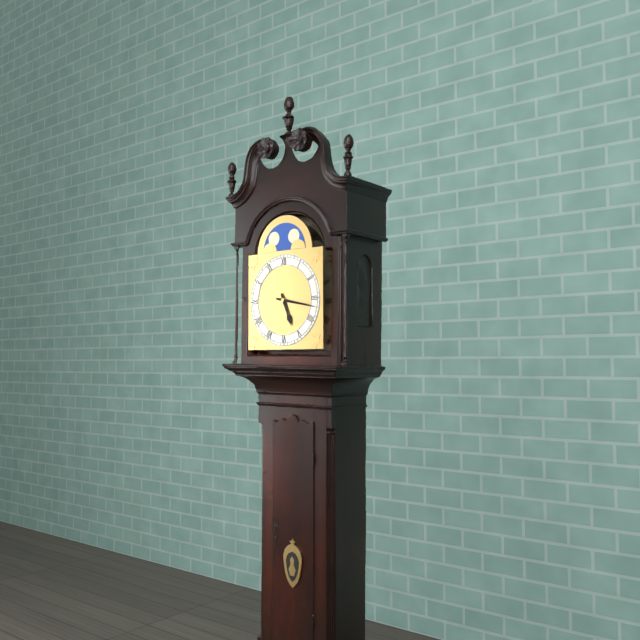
{"hour": 5, "minute": 17}
